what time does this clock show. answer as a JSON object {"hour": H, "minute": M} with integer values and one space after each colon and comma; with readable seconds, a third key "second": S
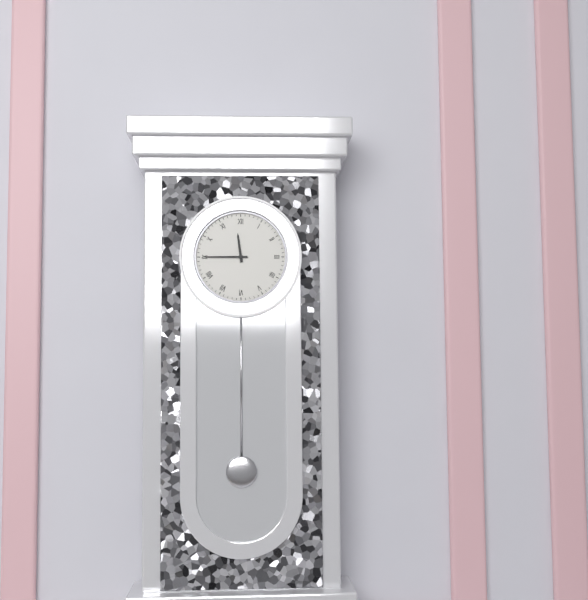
{"hour": 11, "minute": 45}
